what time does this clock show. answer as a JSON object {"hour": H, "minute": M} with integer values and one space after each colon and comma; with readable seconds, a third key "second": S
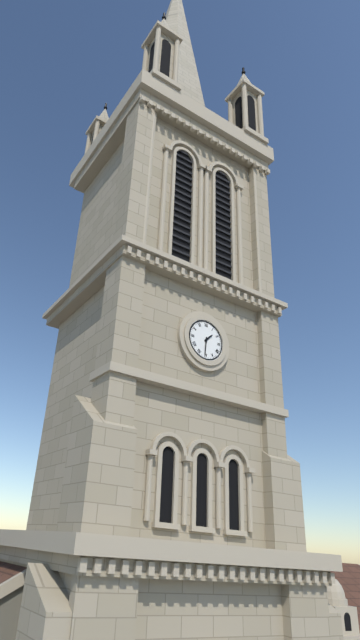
{"hour": 1, "minute": 31}
